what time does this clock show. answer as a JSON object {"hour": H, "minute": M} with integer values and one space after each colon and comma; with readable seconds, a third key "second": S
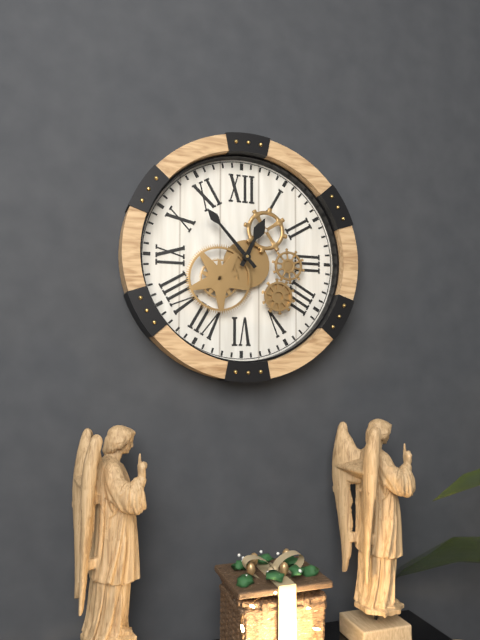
{"hour": 12, "minute": 53}
